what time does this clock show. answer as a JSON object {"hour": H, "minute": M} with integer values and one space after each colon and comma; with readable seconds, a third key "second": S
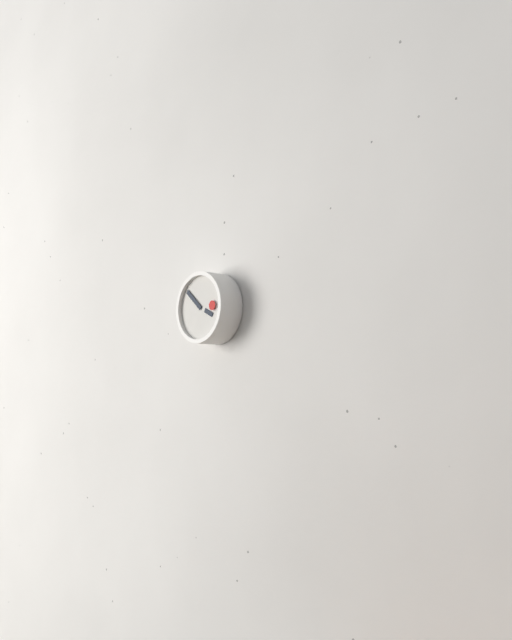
{"hour": 3, "minute": 52}
